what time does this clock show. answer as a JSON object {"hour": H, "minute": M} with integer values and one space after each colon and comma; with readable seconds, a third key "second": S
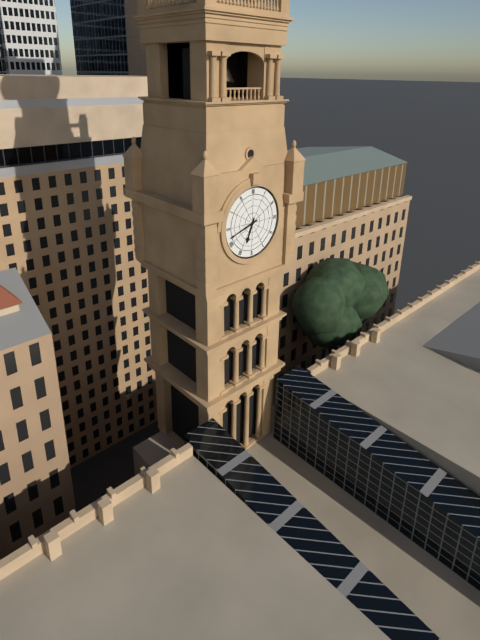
{"hour": 6, "minute": 42}
